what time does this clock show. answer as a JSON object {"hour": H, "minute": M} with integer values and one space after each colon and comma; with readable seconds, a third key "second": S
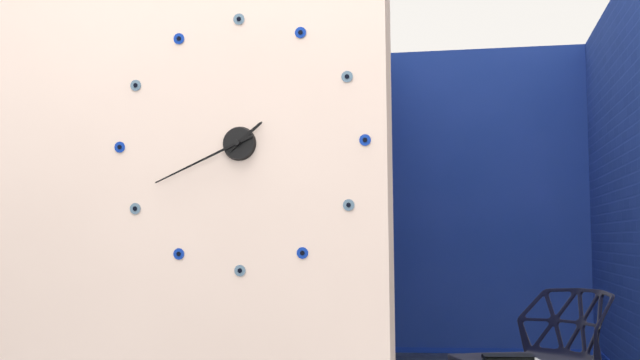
{"hour": 1, "minute": 41}
